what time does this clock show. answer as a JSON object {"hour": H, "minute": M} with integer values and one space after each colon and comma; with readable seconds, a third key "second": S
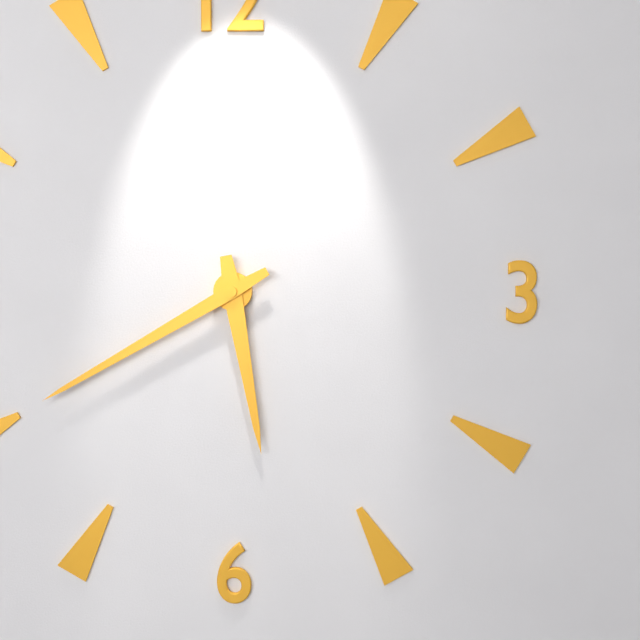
{"hour": 5, "minute": 40}
